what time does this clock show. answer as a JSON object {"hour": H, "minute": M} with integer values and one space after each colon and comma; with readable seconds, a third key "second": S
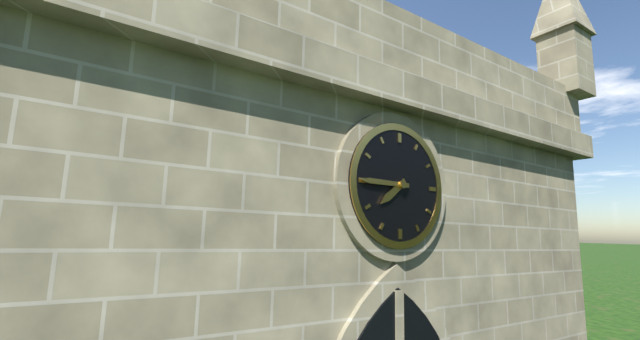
{"hour": 7, "minute": 45}
